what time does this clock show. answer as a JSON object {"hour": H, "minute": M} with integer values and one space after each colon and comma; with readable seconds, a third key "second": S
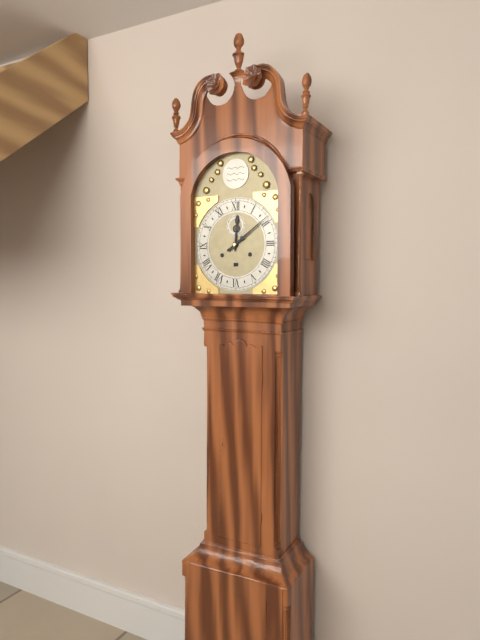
{"hour": 12, "minute": 9}
